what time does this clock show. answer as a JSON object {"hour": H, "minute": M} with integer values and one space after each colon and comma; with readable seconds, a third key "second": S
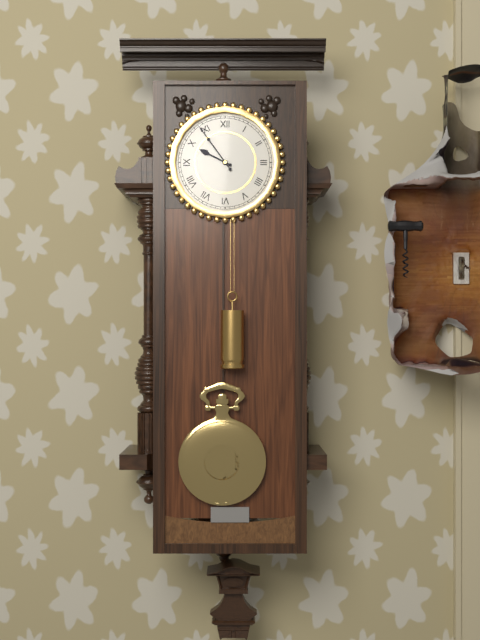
{"hour": 9, "minute": 54}
